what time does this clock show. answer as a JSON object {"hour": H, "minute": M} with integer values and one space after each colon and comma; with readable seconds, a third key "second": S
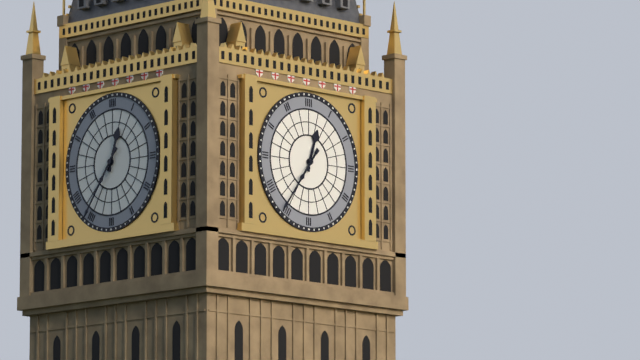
{"hour": 12, "minute": 36}
